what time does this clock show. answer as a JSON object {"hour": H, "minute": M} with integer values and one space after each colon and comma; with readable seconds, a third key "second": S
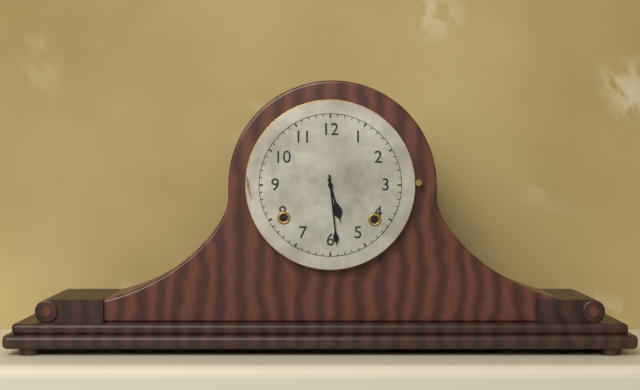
{"hour": 5, "minute": 29}
